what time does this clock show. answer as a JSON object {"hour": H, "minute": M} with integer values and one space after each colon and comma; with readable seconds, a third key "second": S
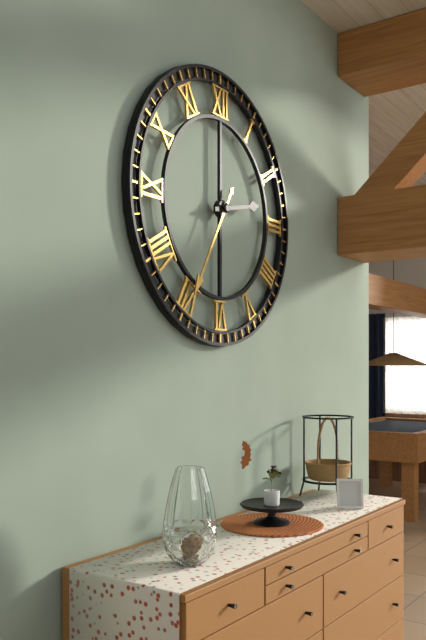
{"hour": 2, "minute": 35}
